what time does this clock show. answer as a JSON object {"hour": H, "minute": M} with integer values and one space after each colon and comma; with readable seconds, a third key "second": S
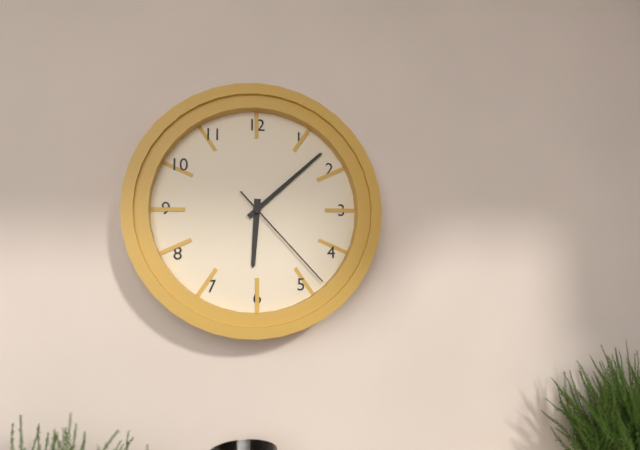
{"hour": 6, "minute": 8, "second": 23}
